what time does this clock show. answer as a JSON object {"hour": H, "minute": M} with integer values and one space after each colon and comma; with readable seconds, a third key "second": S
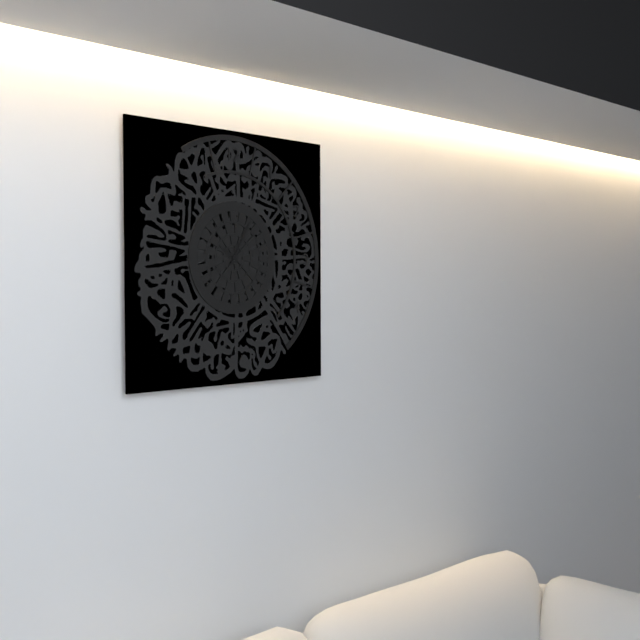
{"hour": 10, "minute": 5}
